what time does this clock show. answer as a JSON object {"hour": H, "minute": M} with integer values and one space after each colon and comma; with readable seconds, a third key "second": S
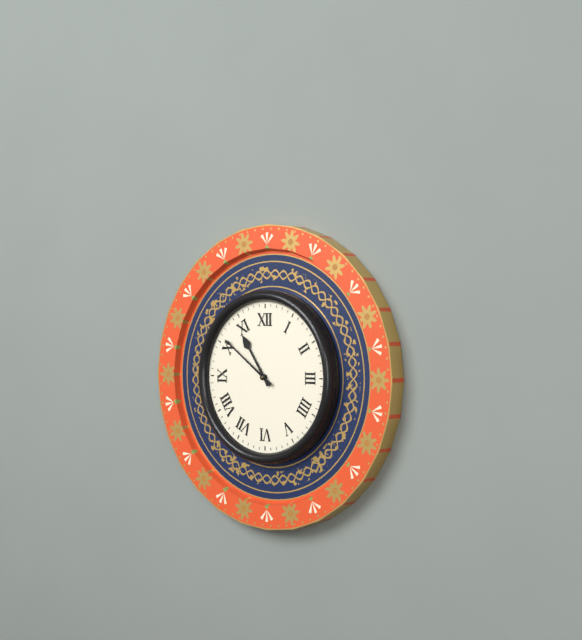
{"hour": 10, "minute": 51}
